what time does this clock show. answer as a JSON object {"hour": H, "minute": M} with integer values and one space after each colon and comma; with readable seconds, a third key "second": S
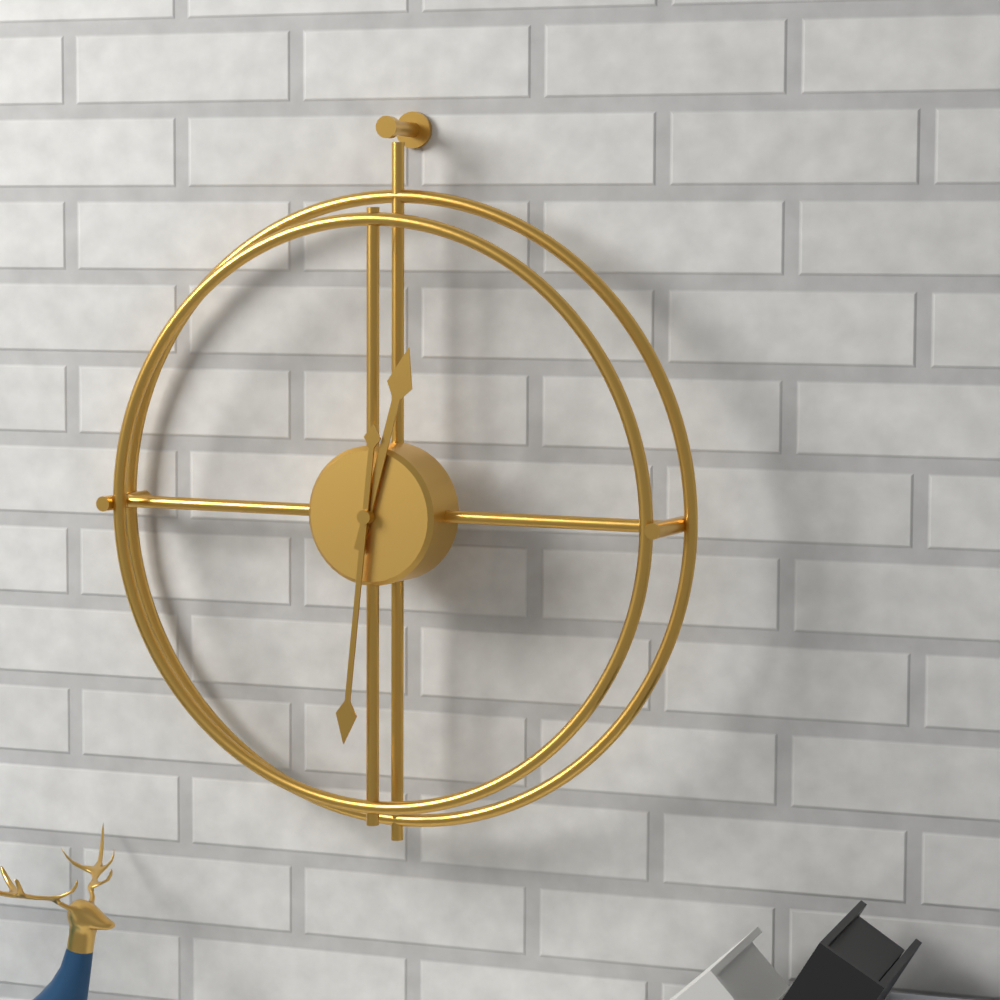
{"hour": 12, "minute": 31}
